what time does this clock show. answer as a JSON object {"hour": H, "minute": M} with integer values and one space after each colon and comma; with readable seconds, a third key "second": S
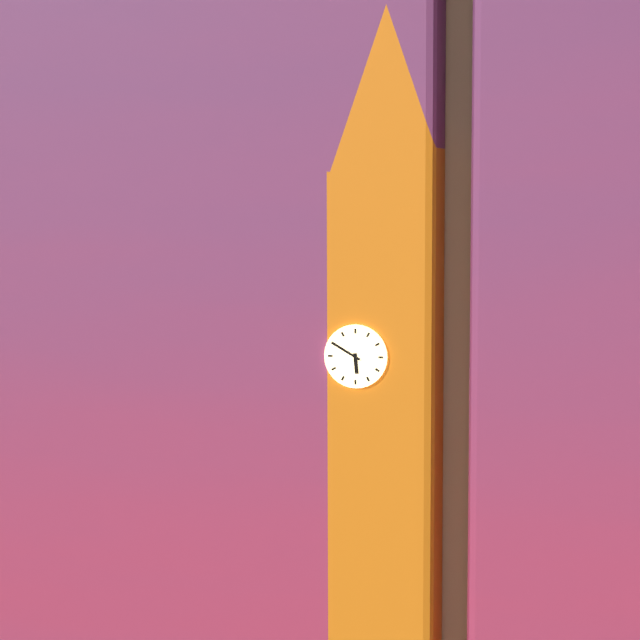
{"hour": 5, "minute": 50}
